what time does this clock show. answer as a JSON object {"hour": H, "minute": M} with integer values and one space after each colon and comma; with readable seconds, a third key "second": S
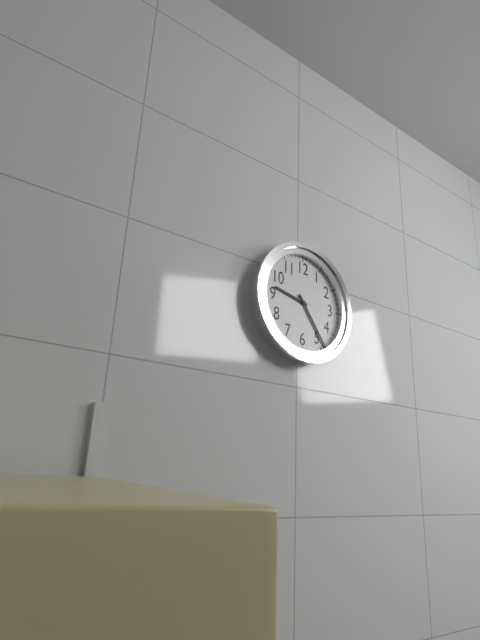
{"hour": 9, "minute": 24}
